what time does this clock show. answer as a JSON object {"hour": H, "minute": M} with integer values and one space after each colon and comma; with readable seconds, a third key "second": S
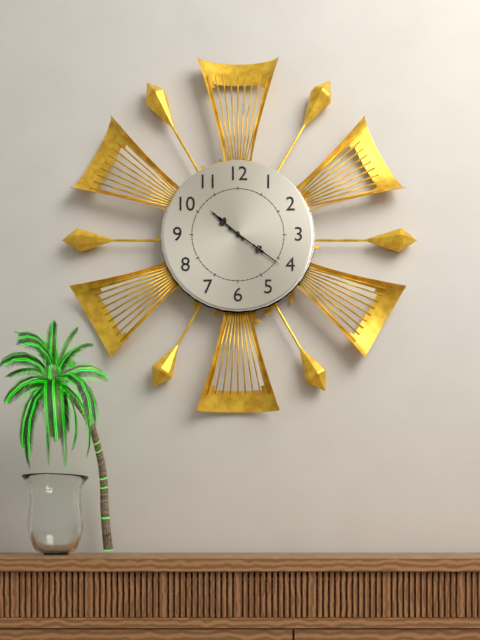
{"hour": 10, "minute": 21}
